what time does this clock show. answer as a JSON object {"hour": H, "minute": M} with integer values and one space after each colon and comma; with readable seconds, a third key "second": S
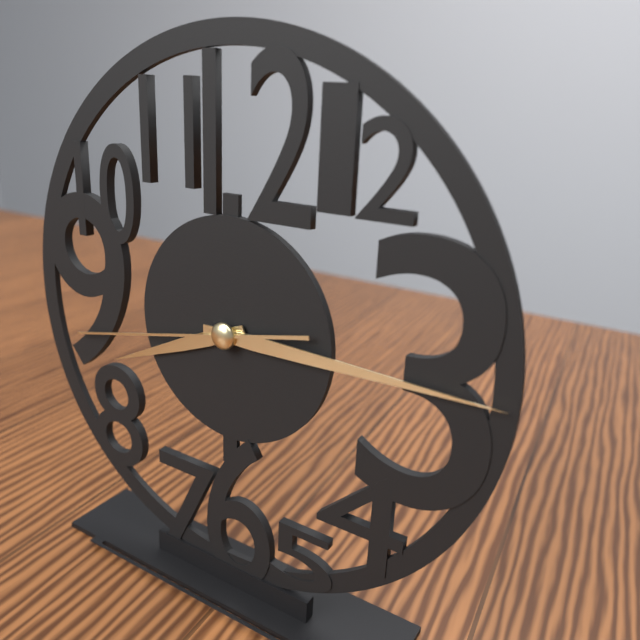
{"hour": 8, "minute": 15, "second": 43}
